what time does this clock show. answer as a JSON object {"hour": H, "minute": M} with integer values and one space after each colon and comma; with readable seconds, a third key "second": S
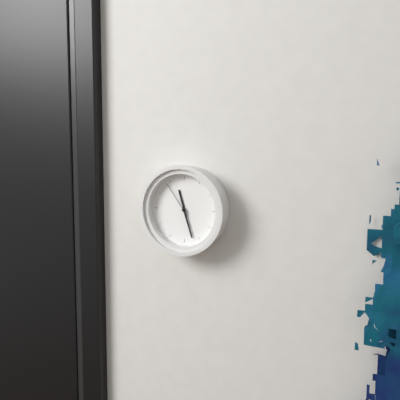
{"hour": 11, "minute": 27}
